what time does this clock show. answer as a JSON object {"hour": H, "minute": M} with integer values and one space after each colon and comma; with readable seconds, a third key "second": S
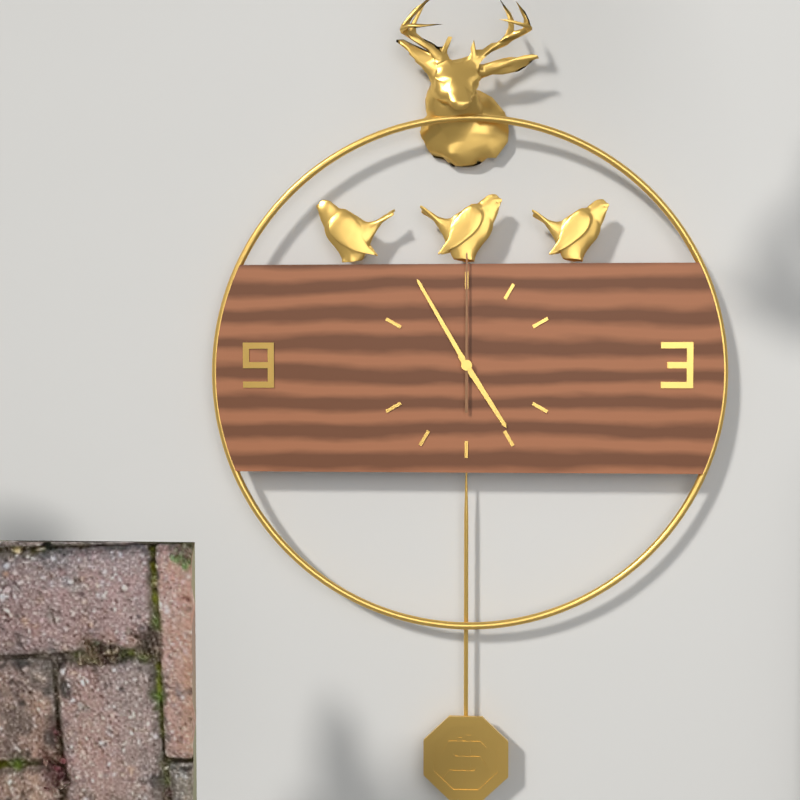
{"hour": 4, "minute": 55, "second": 0}
